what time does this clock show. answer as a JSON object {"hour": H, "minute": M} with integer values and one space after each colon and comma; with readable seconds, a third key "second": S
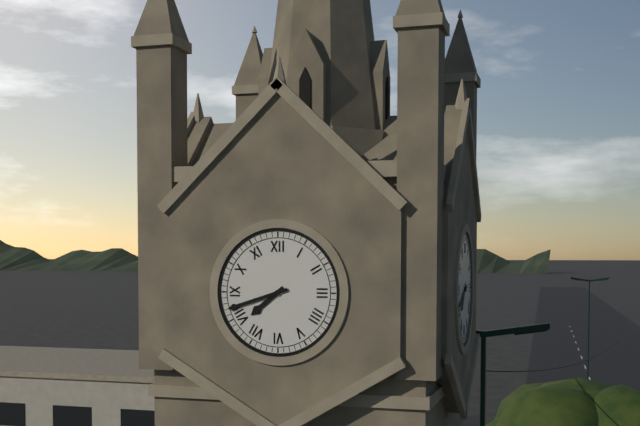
{"hour": 7, "minute": 42}
